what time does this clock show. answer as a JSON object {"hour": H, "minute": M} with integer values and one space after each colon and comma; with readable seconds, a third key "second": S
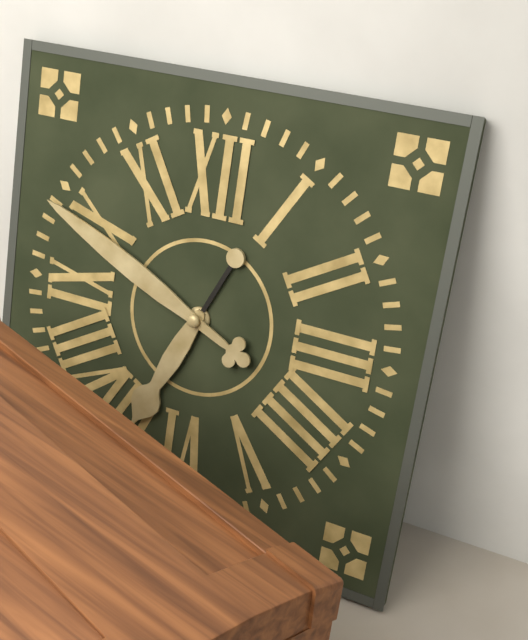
{"hour": 6, "minute": 49}
